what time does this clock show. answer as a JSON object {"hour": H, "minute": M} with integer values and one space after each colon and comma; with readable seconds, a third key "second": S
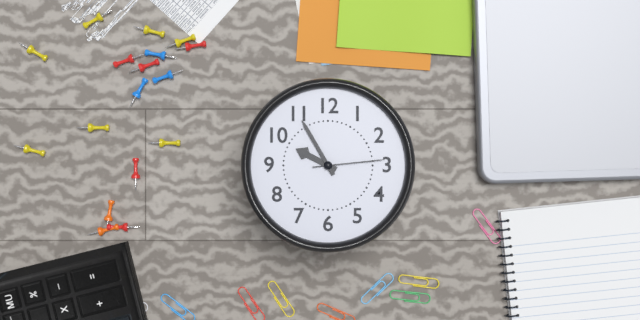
{"hour": 9, "minute": 55, "second": 14}
